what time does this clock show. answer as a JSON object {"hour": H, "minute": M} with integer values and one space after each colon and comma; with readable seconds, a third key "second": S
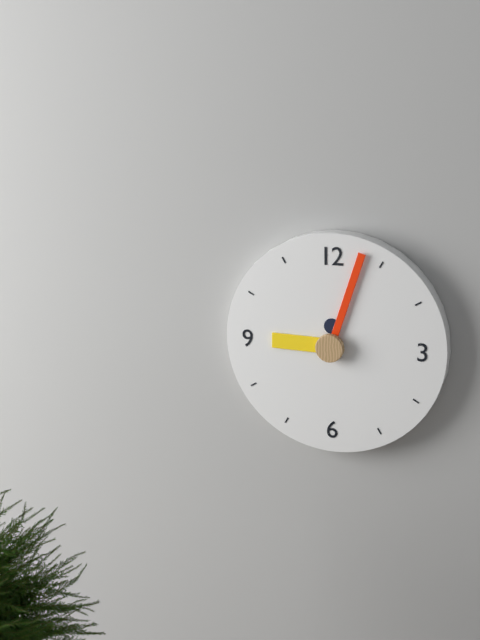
{"hour": 9, "minute": 3}
